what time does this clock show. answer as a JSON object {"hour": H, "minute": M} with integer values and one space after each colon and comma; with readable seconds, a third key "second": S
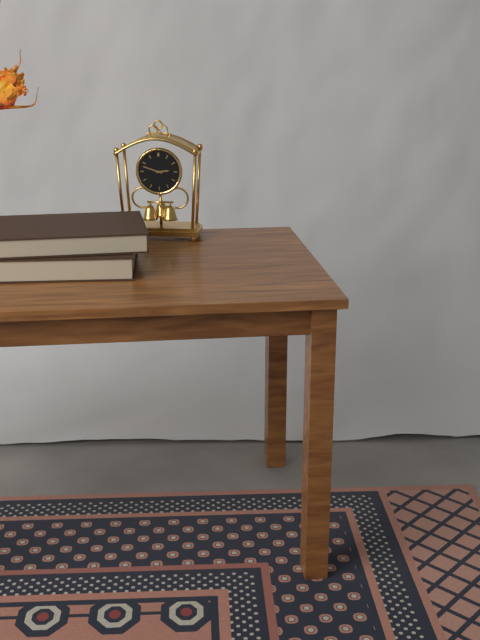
{"hour": 2, "minute": 48}
